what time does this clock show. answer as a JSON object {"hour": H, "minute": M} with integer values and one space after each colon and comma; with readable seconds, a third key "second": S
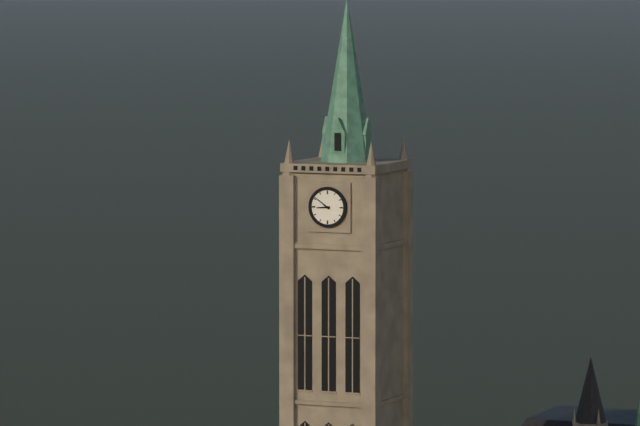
{"hour": 8, "minute": 51}
